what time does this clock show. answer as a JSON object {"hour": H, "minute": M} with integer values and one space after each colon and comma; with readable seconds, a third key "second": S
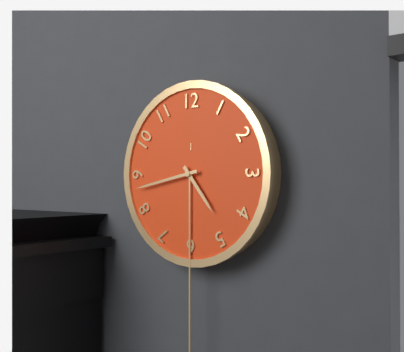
{"hour": 4, "minute": 43}
